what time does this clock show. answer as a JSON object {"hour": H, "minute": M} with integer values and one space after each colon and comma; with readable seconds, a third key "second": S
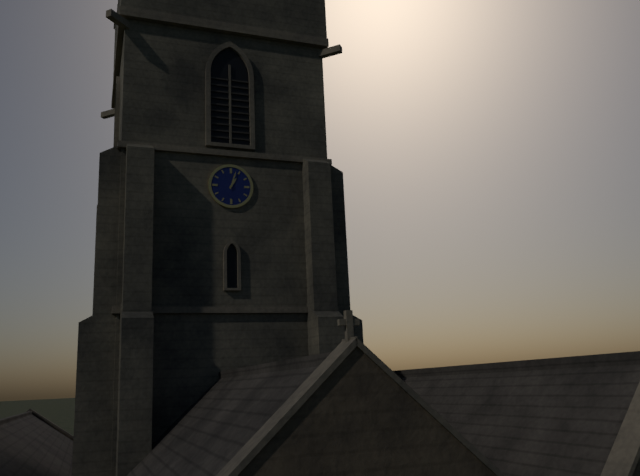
{"hour": 1, "minute": 3}
